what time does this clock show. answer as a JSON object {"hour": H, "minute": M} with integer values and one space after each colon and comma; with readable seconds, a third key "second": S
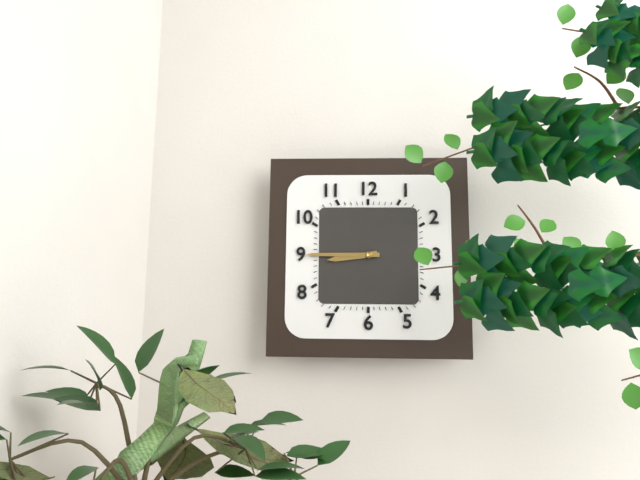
{"hour": 8, "minute": 45}
